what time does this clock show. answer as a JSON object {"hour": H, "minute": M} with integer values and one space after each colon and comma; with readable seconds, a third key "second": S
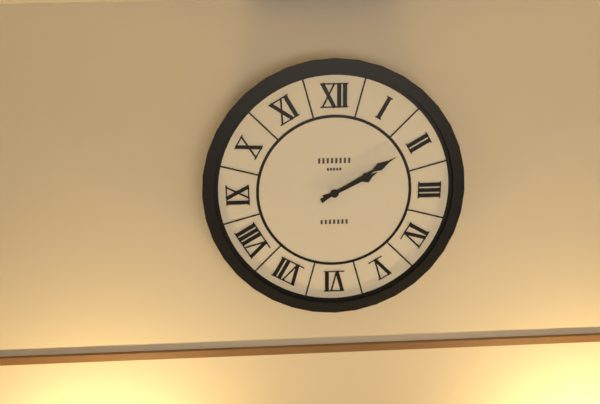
{"hour": 2, "minute": 10}
